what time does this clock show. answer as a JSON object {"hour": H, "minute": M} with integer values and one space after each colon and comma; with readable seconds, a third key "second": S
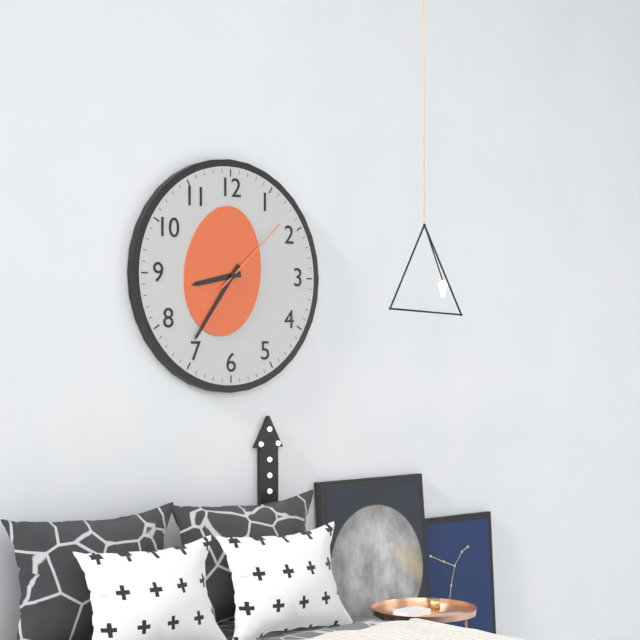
{"hour": 8, "minute": 36, "second": 8}
